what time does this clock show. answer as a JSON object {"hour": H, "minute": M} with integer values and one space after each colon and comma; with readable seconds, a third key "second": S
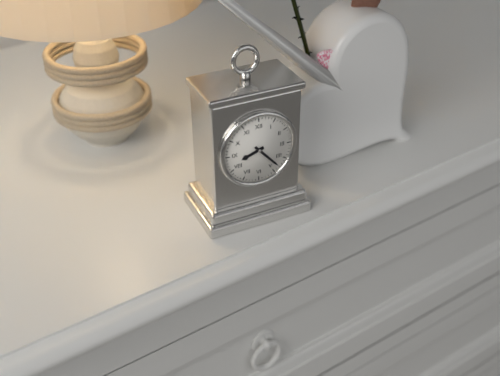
{"hour": 8, "minute": 23}
